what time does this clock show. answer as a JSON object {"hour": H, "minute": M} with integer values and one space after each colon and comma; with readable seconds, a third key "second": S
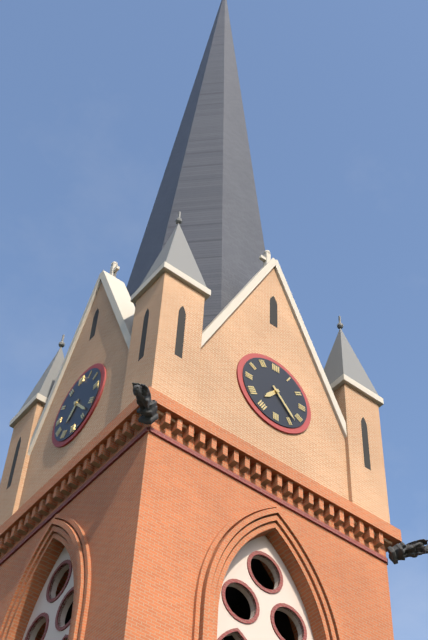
{"hour": 7, "minute": 23}
